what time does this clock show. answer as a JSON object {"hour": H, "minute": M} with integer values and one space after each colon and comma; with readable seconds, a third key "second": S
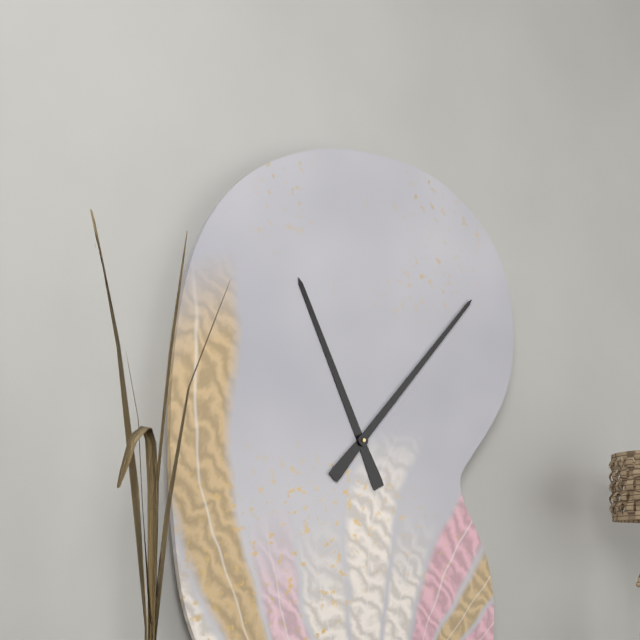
{"hour": 11, "minute": 7}
